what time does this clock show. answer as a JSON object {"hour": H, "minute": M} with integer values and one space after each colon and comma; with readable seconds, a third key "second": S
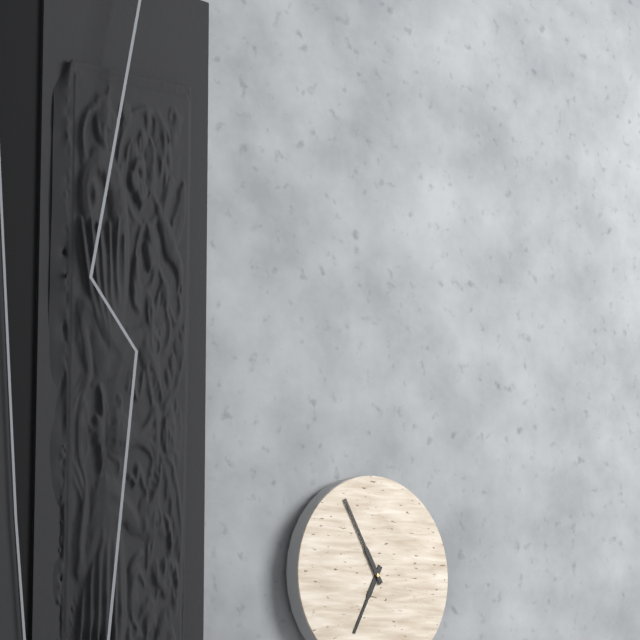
{"hour": 6, "minute": 55}
